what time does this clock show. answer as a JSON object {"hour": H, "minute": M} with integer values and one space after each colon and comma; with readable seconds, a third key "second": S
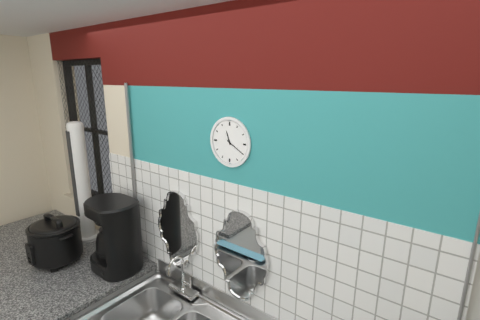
{"hour": 11, "minute": 20}
